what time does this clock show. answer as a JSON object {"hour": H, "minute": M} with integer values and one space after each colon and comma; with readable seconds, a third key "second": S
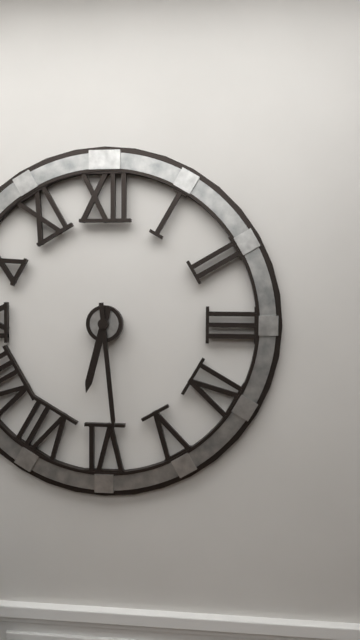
{"hour": 6, "minute": 29}
